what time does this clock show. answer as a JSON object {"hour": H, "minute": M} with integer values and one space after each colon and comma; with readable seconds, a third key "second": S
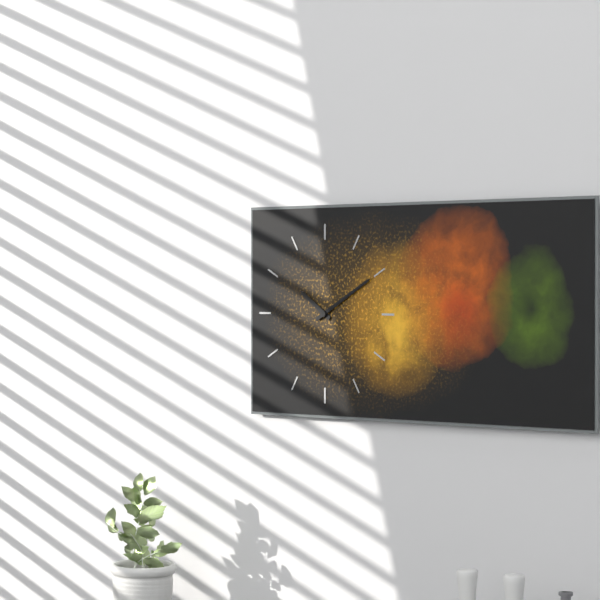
{"hour": 10, "minute": 10}
